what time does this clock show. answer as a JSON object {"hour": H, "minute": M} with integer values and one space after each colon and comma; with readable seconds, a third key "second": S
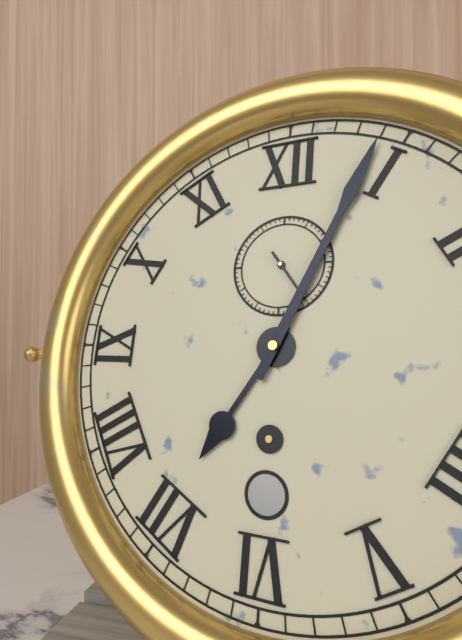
{"hour": 7, "minute": 4, "second": 24}
